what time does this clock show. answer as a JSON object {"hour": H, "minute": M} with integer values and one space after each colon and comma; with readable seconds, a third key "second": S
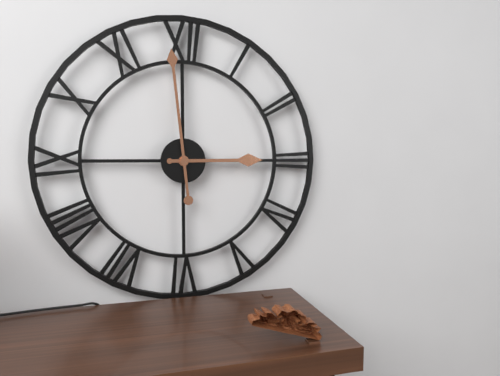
{"hour": 2, "minute": 59}
